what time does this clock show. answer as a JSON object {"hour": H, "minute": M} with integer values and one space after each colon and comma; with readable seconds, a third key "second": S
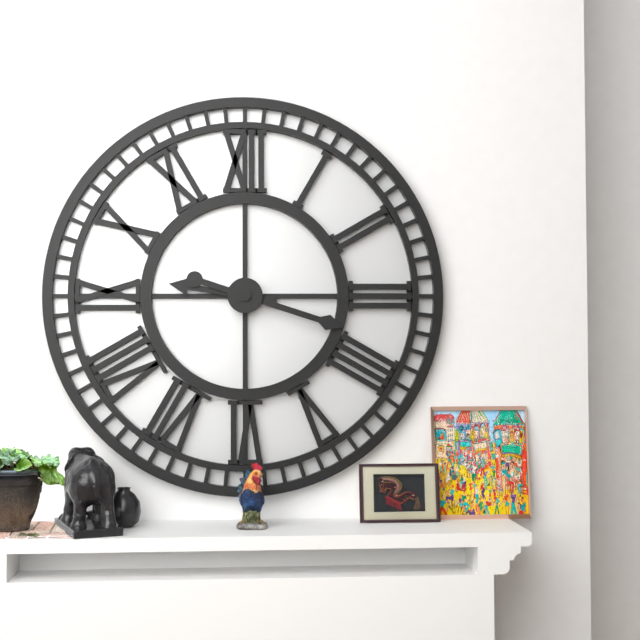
{"hour": 9, "minute": 18}
